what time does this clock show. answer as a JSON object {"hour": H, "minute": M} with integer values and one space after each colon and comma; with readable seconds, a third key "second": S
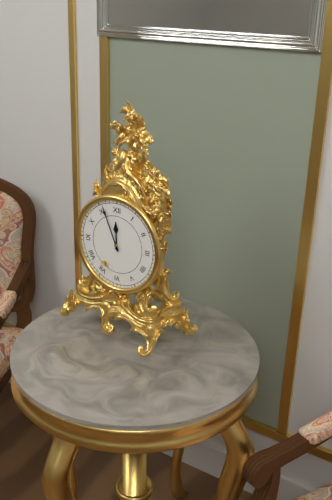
{"hour": 11, "minute": 56}
